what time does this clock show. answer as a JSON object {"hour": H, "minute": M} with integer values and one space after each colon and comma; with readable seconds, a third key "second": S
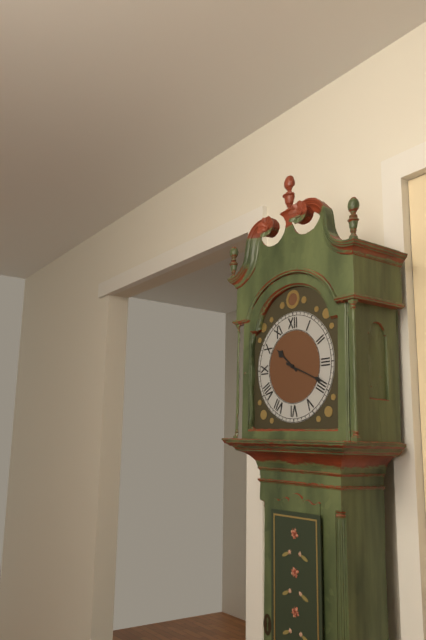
{"hour": 10, "minute": 19}
